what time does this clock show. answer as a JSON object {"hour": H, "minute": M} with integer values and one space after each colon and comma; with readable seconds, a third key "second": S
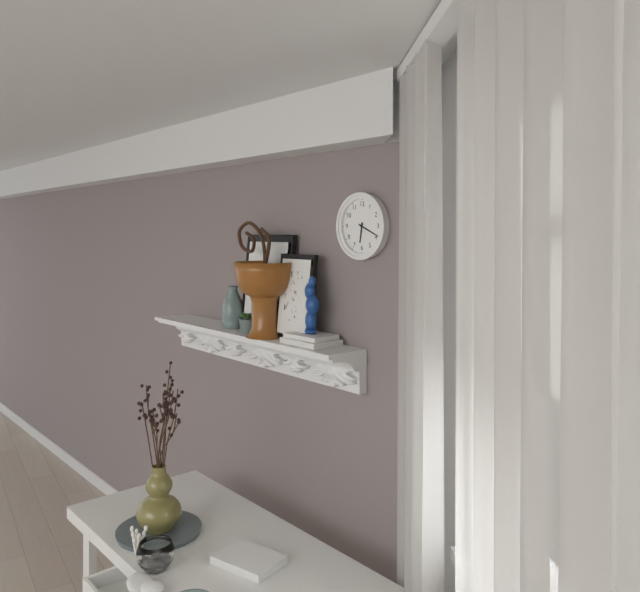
{"hour": 6, "minute": 19}
